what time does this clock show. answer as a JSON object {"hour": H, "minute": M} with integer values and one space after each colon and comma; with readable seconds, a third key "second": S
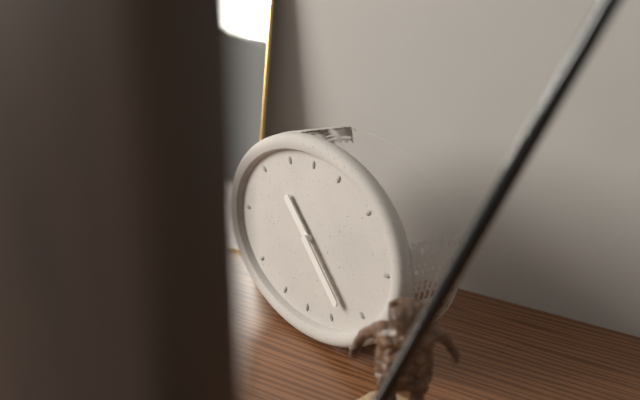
{"hour": 10, "minute": 22}
